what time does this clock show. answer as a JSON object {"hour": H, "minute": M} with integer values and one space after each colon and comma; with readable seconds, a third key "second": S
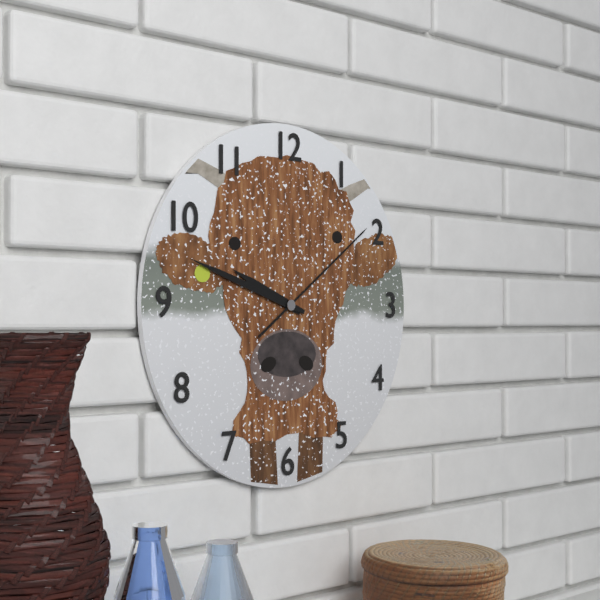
{"hour": 9, "minute": 48, "second": 9}
